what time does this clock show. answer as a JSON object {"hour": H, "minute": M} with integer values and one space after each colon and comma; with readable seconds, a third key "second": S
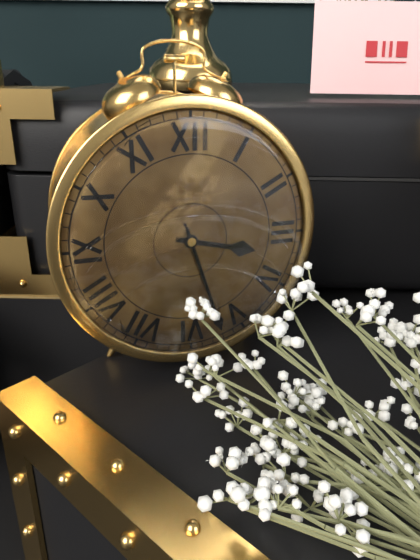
{"hour": 3, "minute": 27}
